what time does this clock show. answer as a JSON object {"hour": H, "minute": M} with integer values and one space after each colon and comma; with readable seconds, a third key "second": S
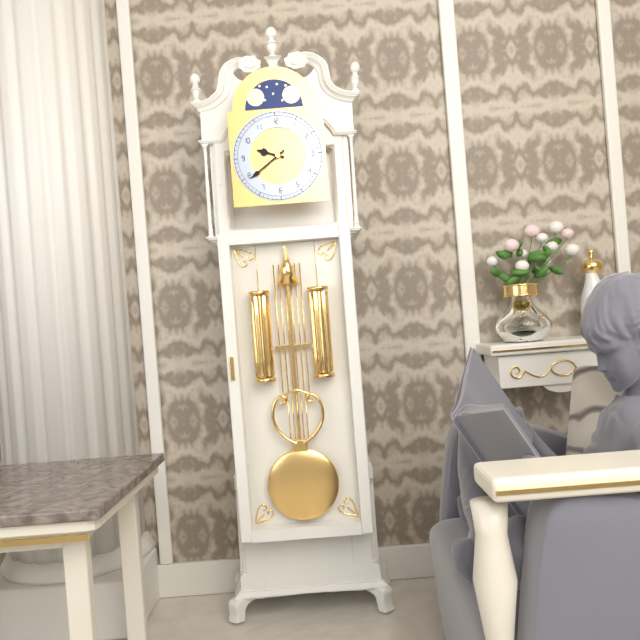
{"hour": 9, "minute": 39}
